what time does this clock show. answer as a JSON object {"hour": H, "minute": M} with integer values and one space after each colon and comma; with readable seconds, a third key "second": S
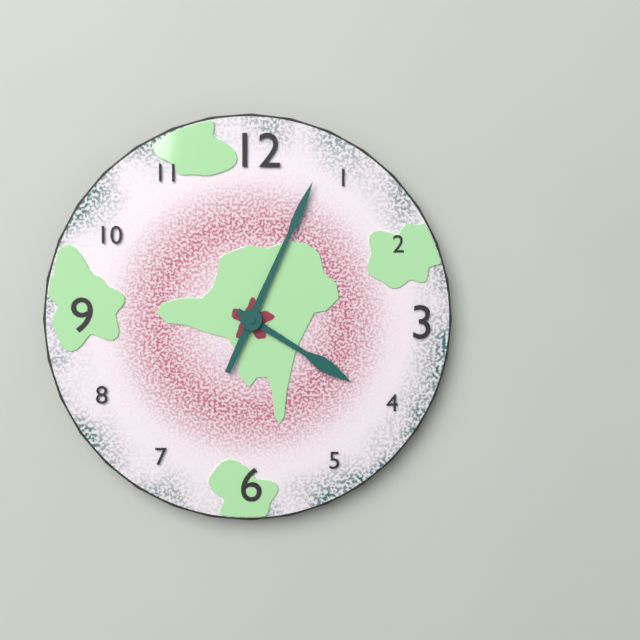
{"hour": 4, "minute": 4}
